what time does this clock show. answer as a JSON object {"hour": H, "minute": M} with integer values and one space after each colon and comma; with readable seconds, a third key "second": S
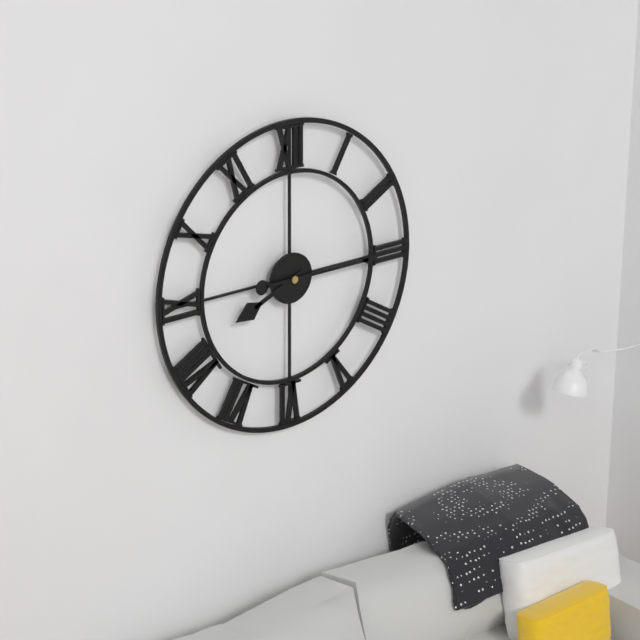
{"hour": 8, "minute": 15}
